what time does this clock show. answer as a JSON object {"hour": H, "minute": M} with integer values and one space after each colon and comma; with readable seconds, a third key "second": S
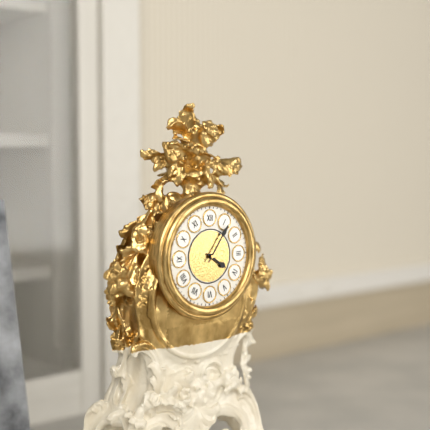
{"hour": 4, "minute": 6}
